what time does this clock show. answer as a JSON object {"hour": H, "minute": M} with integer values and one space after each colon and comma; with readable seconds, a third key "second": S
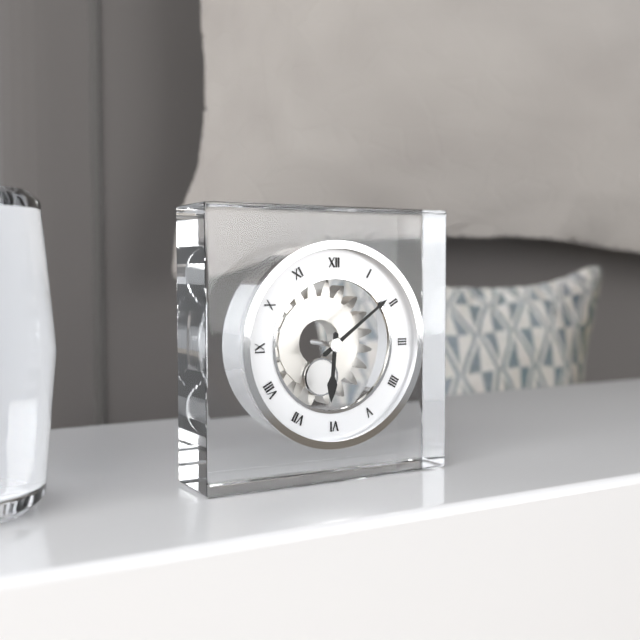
{"hour": 6, "minute": 9}
